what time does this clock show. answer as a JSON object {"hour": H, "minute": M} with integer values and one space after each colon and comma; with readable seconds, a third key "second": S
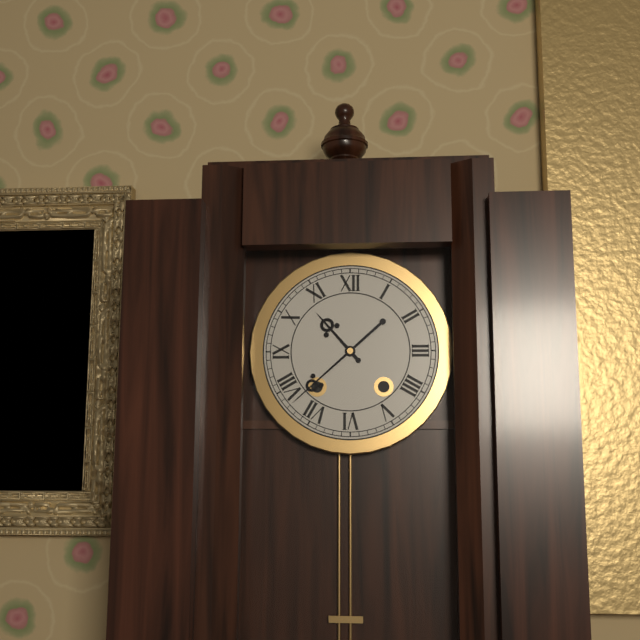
{"hour": 10, "minute": 38}
